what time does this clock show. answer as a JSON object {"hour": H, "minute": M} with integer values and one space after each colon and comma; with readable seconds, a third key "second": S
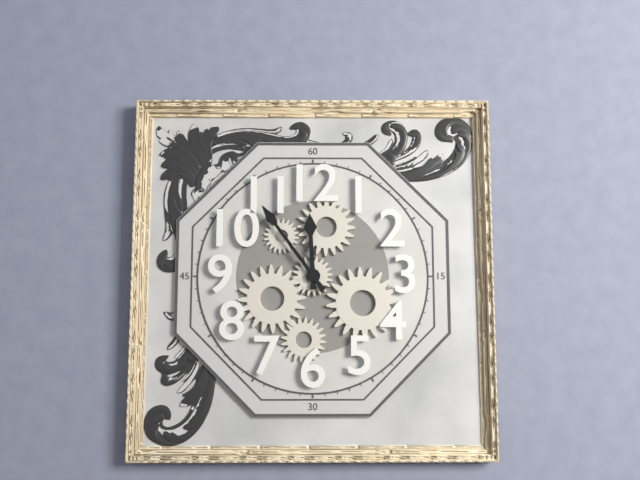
{"hour": 11, "minute": 54}
